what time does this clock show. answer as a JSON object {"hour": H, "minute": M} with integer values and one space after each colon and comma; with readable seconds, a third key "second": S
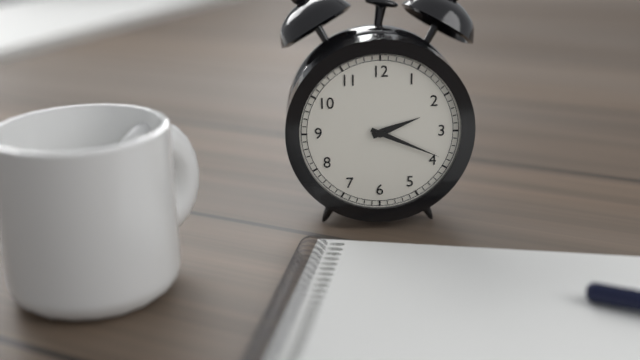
{"hour": 2, "minute": 19}
